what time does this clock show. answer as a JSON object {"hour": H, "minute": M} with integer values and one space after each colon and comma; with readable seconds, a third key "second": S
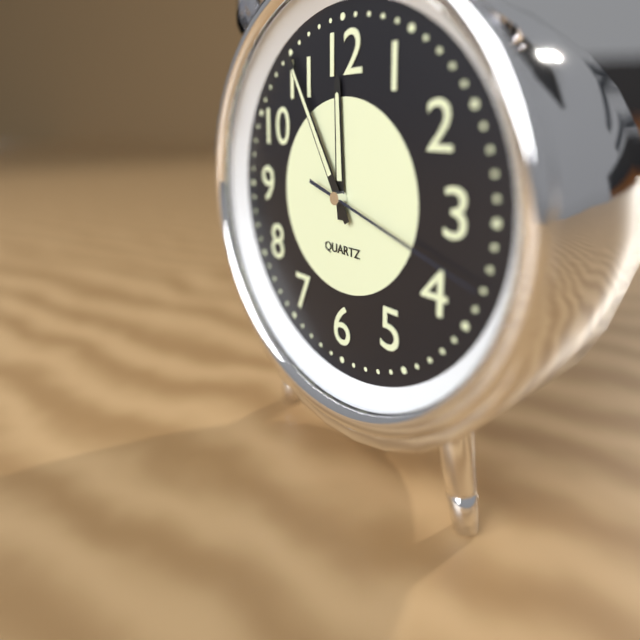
{"hour": 11, "minute": 55, "second": 18}
